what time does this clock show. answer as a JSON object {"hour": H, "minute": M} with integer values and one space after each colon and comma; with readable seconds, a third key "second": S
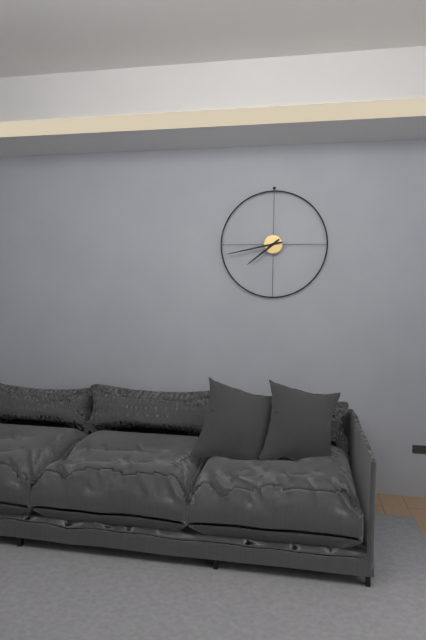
{"hour": 7, "minute": 43}
